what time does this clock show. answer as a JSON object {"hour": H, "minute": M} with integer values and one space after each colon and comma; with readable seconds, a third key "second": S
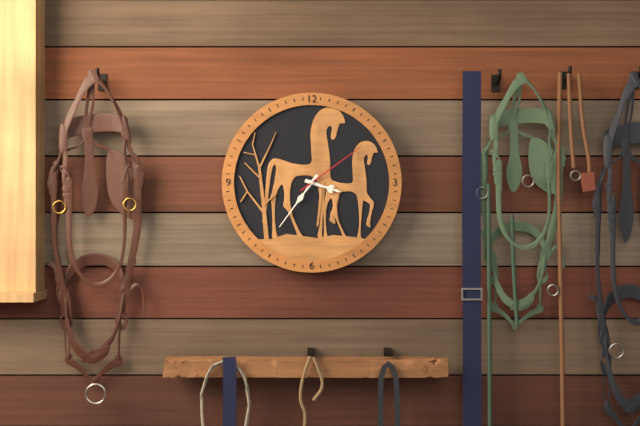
{"hour": 3, "minute": 36, "second": 9}
